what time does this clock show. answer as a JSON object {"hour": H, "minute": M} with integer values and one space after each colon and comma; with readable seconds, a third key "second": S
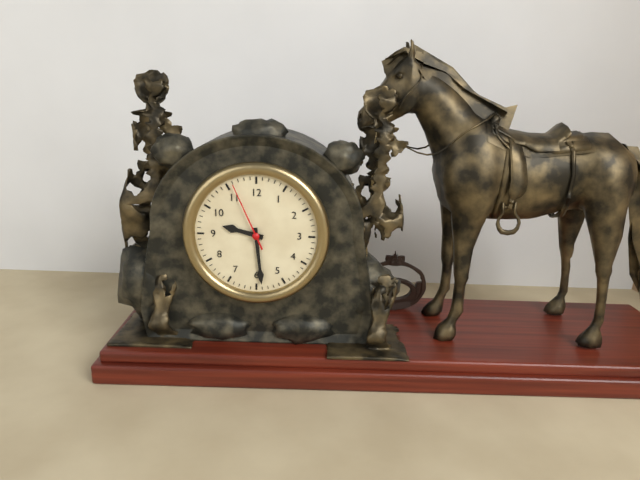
{"hour": 9, "minute": 29, "second": 56}
